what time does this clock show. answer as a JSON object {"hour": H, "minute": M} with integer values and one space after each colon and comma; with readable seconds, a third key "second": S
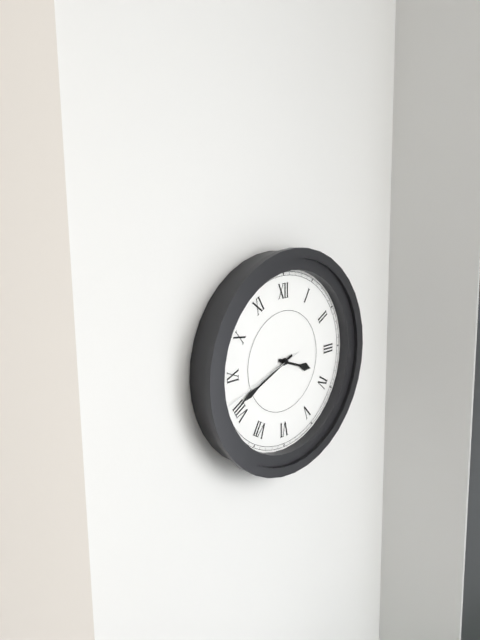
{"hour": 3, "minute": 41, "second": 42}
